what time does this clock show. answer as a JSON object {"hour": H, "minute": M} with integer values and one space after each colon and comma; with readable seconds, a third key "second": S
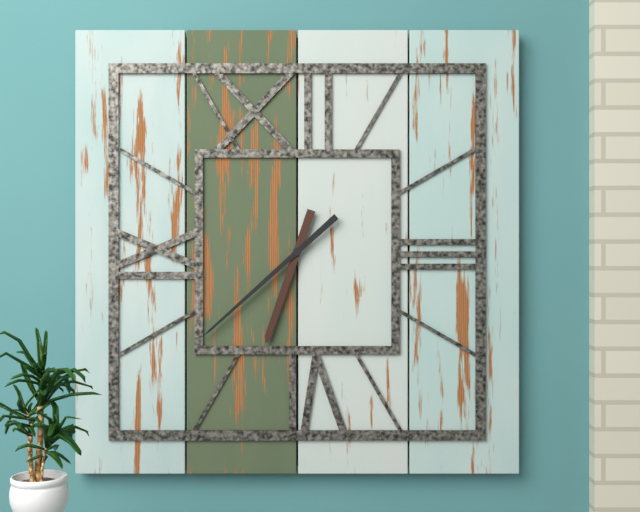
{"hour": 6, "minute": 38}
